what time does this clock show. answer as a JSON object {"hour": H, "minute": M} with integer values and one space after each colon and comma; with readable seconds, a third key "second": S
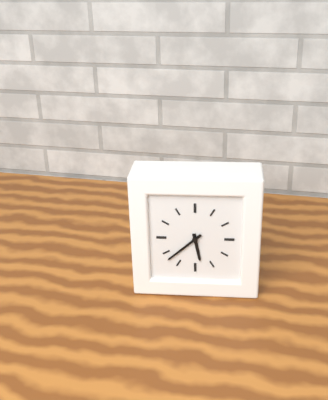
{"hour": 5, "minute": 38}
